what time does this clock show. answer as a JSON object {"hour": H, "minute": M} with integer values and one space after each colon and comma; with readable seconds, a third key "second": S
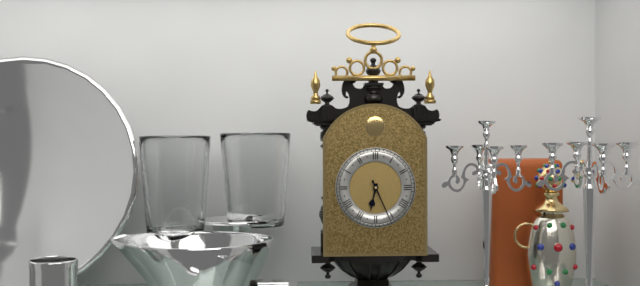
{"hour": 6, "minute": 26}
